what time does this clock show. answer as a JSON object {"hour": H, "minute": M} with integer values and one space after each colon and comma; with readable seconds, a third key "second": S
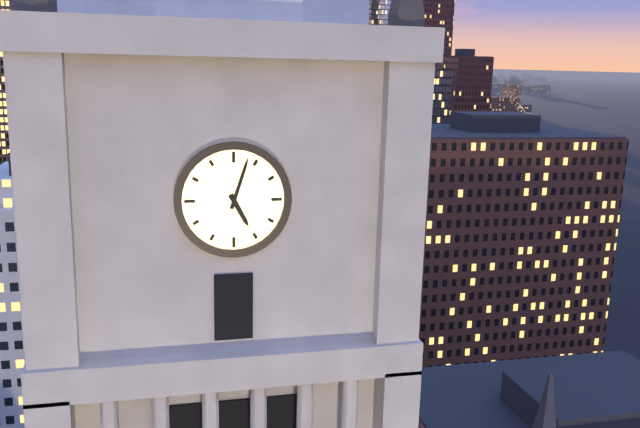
{"hour": 5, "minute": 3}
